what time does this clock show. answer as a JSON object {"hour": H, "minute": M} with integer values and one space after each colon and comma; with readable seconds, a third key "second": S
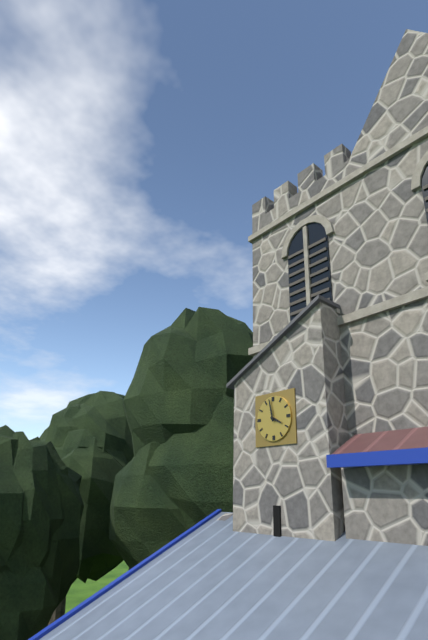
{"hour": 3, "minute": 58}
